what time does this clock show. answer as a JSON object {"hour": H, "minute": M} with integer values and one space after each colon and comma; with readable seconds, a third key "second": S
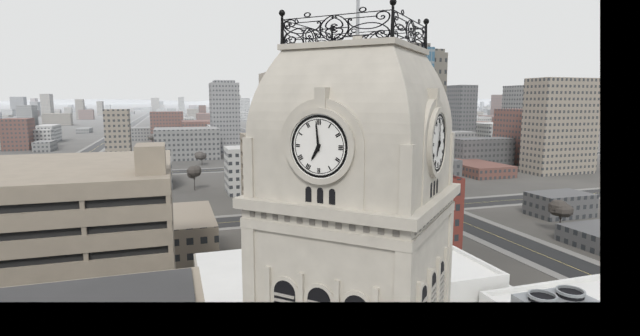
{"hour": 6, "minute": 59}
